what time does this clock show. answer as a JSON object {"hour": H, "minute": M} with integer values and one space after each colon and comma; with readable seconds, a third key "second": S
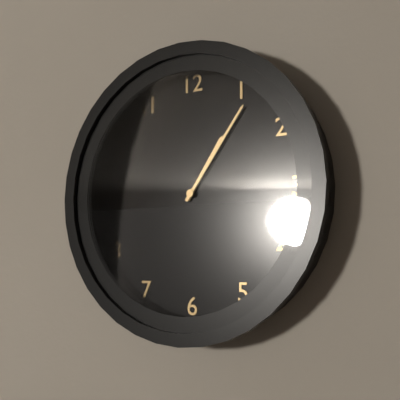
{"hour": 1, "minute": 6}
